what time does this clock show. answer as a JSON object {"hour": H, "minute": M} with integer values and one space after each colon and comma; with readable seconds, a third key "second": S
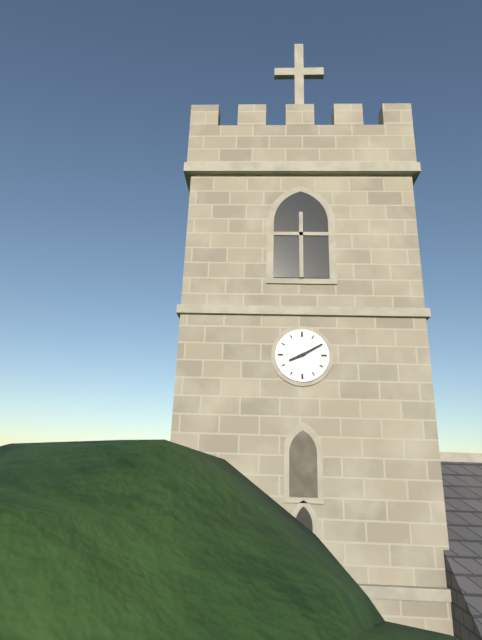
{"hour": 8, "minute": 10}
